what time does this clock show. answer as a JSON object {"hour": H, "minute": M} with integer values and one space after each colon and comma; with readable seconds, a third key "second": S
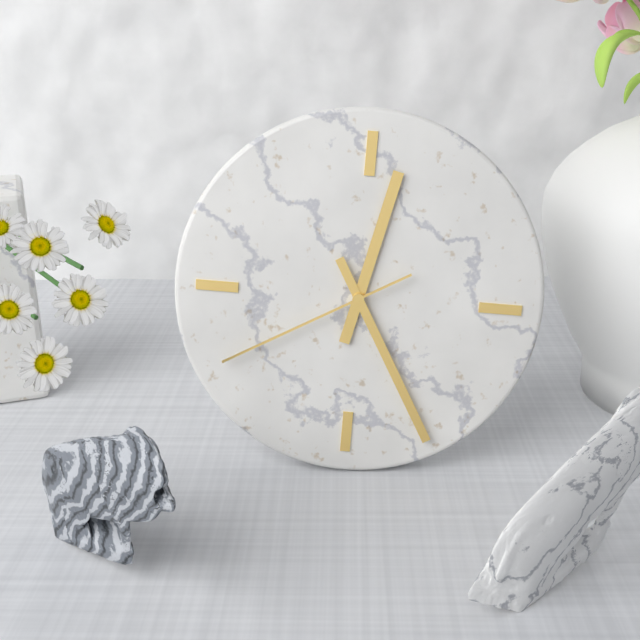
{"hour": 12, "minute": 25, "second": 40}
